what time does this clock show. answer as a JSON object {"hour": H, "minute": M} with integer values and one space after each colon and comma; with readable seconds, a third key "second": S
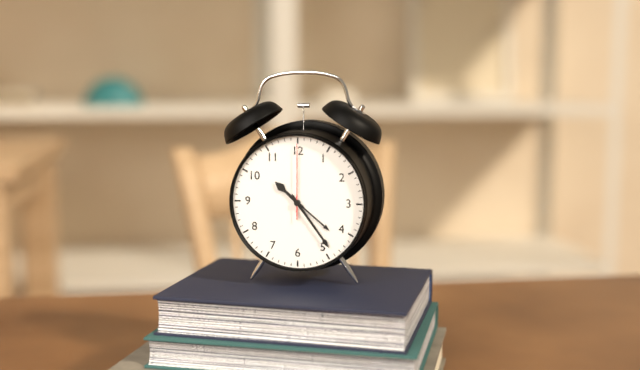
{"hour": 10, "minute": 24, "second": 0}
